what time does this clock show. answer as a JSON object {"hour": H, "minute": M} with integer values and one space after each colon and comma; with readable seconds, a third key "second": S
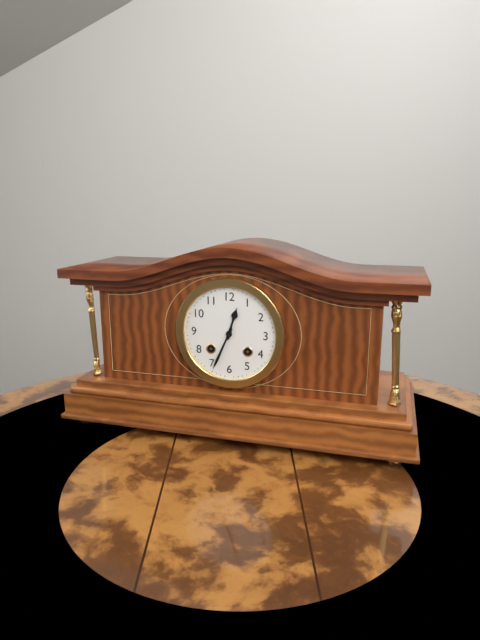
{"hour": 12, "minute": 34}
